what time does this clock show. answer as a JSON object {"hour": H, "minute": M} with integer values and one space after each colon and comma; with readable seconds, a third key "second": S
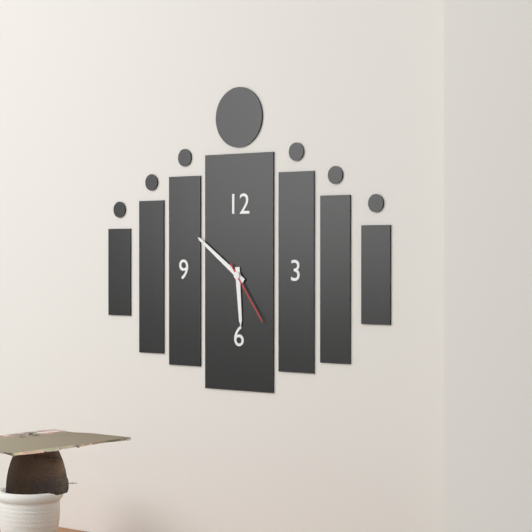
{"hour": 5, "minute": 51, "second": 24}
